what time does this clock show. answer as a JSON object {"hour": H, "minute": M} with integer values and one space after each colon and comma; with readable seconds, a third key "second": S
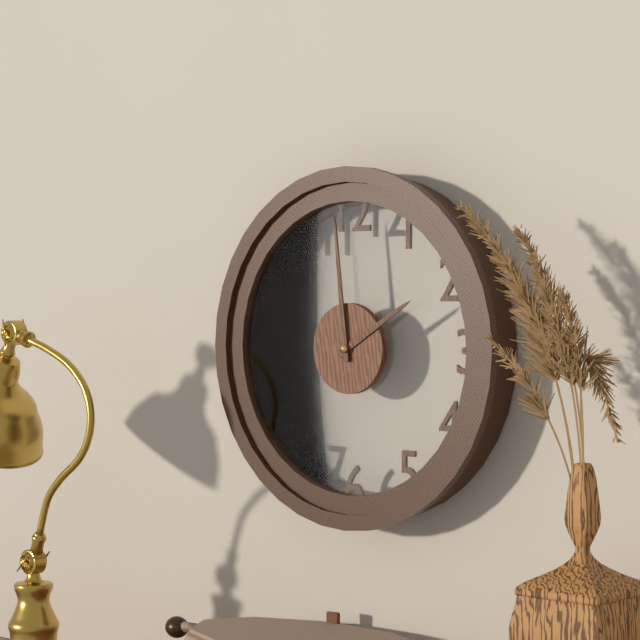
{"hour": 1, "minute": 59}
